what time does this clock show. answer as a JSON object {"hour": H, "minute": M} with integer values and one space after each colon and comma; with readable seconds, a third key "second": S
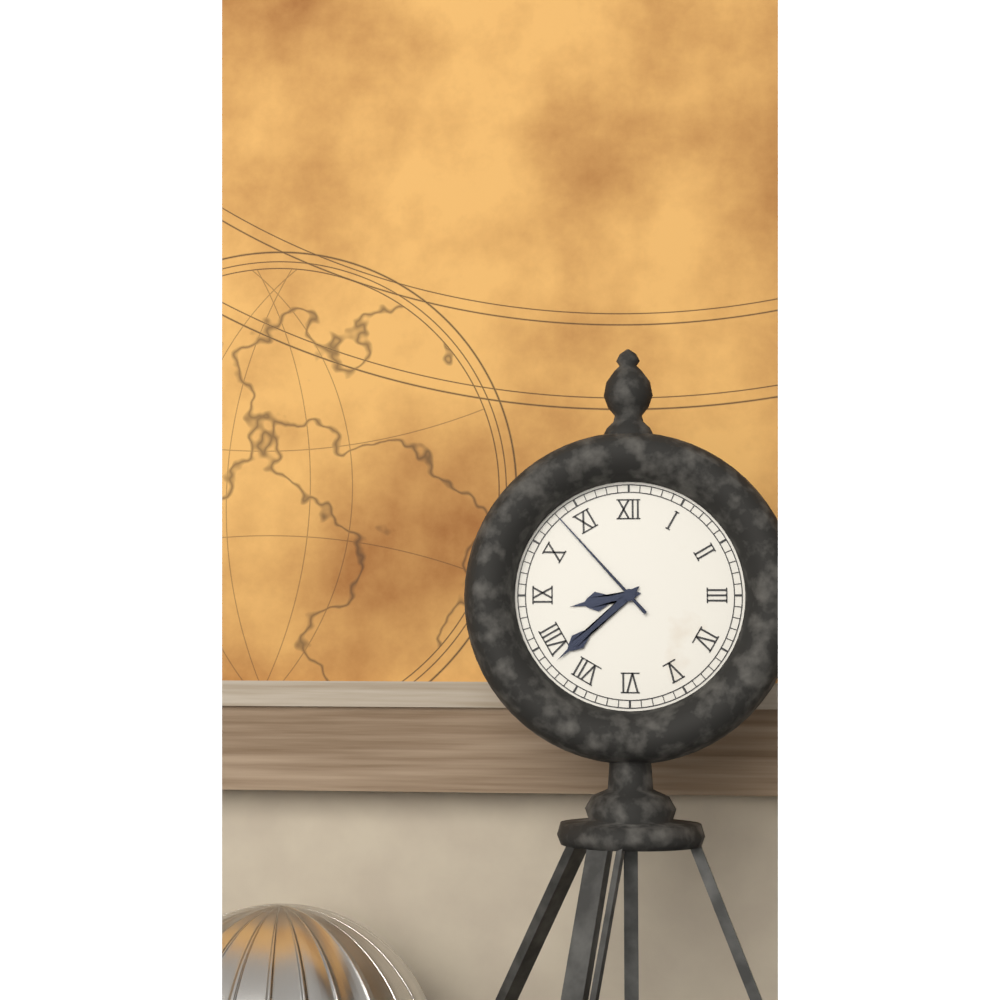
{"hour": 8, "minute": 38, "second": 53}
